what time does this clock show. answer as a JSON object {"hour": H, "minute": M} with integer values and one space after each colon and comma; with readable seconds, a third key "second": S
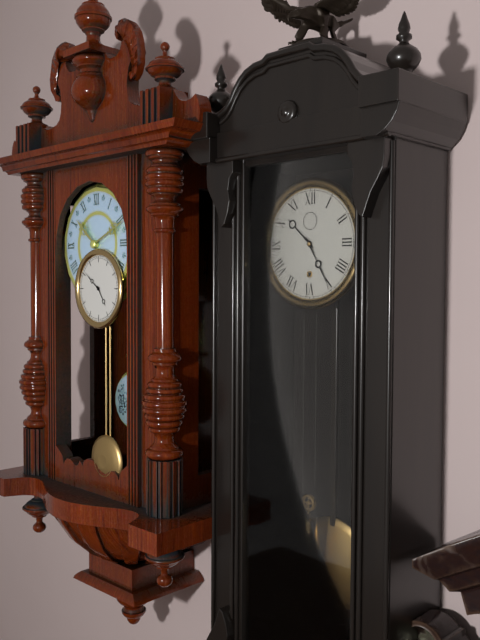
{"hour": 10, "minute": 25}
